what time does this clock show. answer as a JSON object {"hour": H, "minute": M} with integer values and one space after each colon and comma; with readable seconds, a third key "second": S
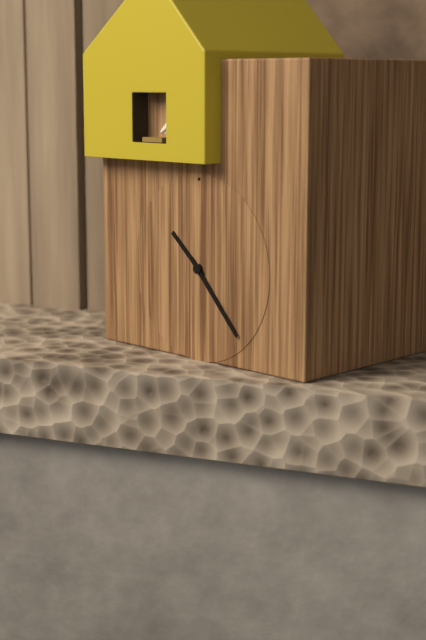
{"hour": 10, "minute": 23}
